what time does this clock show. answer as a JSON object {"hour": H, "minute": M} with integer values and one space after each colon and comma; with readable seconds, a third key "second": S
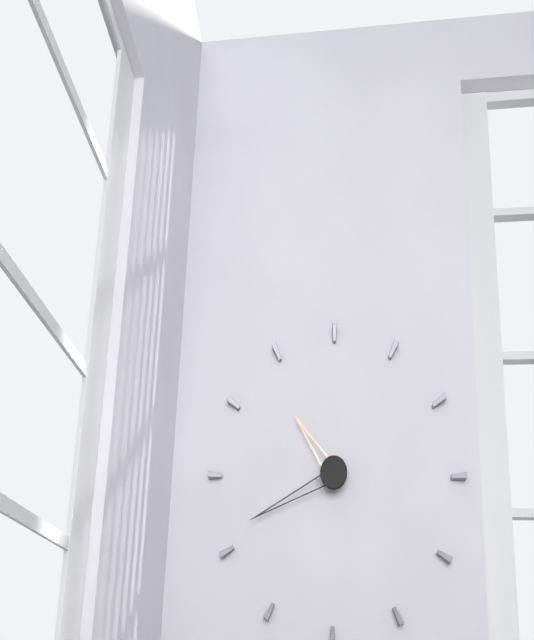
{"hour": 10, "minute": 41}
